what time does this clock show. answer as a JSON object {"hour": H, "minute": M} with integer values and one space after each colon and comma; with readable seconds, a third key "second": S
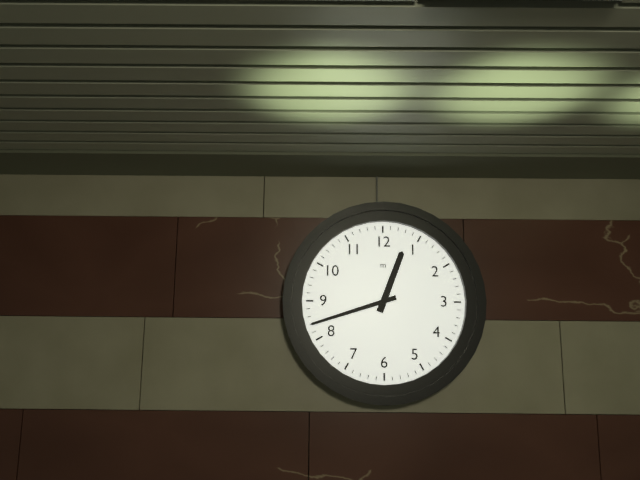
{"hour": 12, "minute": 42}
